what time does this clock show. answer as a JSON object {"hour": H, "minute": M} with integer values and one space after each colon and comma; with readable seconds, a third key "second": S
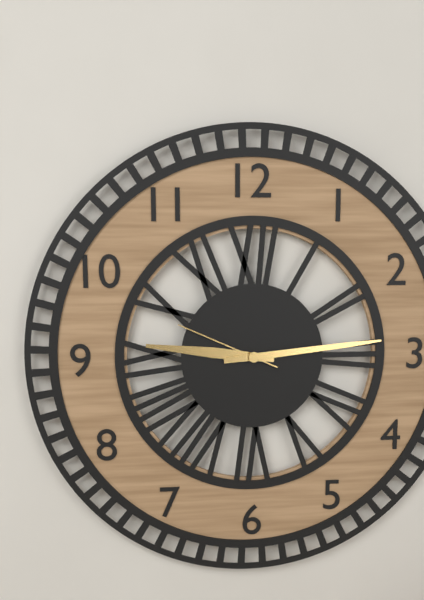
{"hour": 9, "minute": 14, "second": 49}
